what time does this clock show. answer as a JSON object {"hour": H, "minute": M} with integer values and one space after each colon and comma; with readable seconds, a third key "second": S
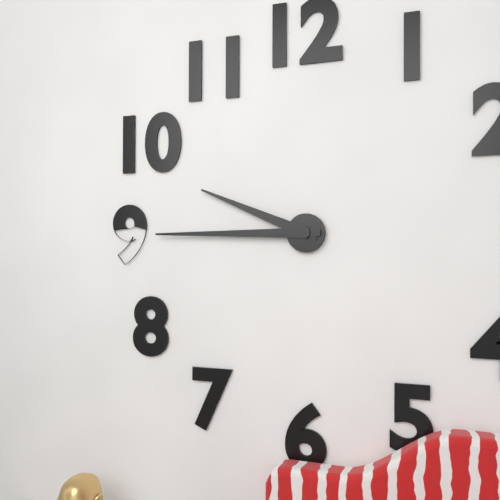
{"hour": 9, "minute": 45}
